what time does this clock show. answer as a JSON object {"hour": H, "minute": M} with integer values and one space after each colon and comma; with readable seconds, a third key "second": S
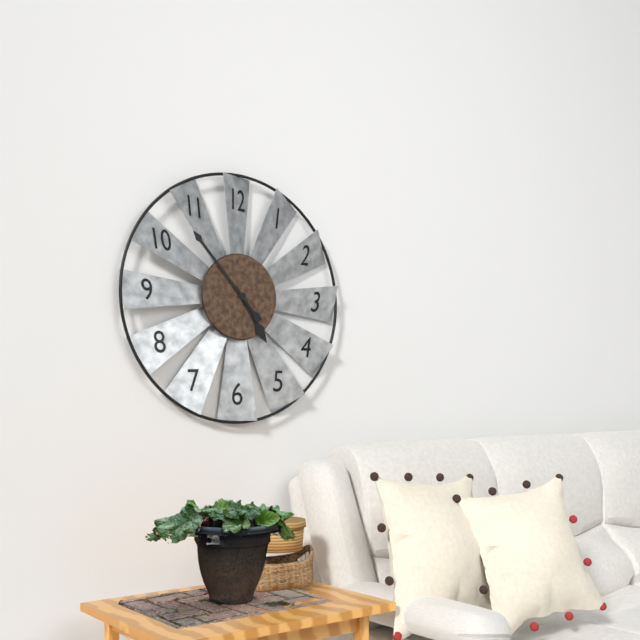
{"hour": 4, "minute": 53}
